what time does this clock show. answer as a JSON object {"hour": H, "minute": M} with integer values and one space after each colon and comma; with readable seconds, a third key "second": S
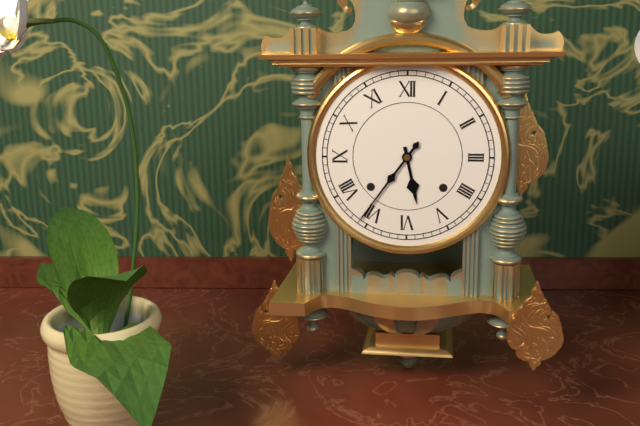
{"hour": 5, "minute": 36}
